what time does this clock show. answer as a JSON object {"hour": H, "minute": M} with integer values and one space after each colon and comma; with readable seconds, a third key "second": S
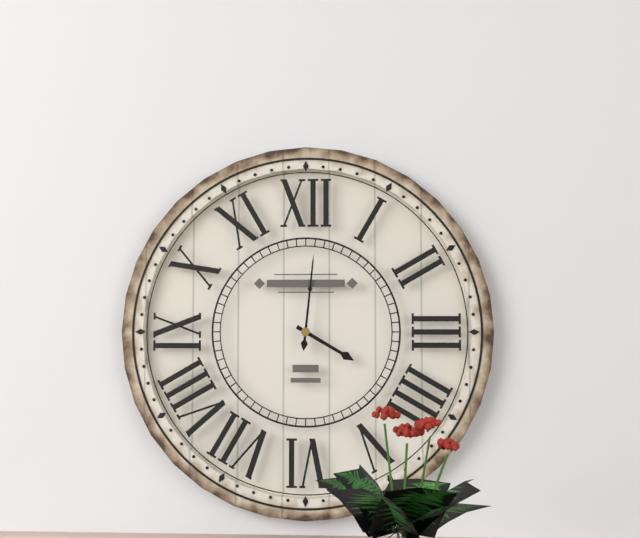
{"hour": 4, "minute": 1}
